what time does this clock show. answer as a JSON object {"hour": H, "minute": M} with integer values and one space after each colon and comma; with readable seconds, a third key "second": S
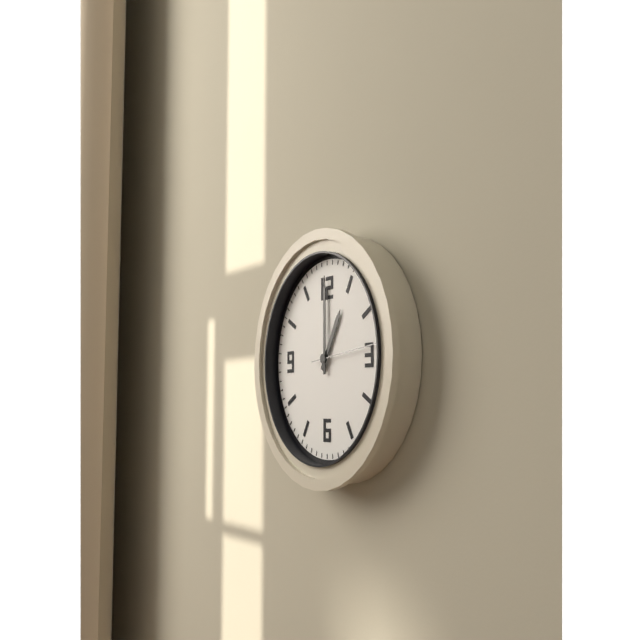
{"hour": 1, "minute": 0, "second": 14}
